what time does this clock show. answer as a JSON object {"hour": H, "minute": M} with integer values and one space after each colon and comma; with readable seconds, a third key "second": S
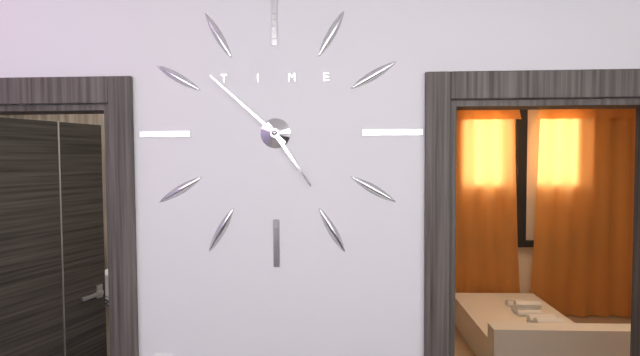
{"hour": 4, "minute": 52}
